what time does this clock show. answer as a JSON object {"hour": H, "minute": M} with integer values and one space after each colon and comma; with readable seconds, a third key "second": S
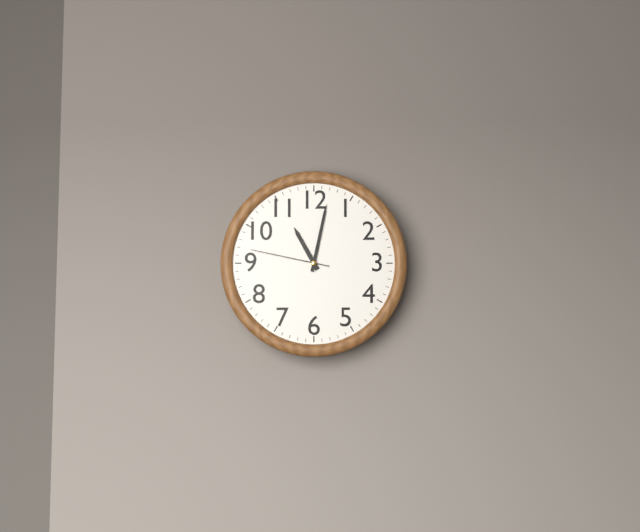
{"hour": 11, "minute": 2, "second": 47}
